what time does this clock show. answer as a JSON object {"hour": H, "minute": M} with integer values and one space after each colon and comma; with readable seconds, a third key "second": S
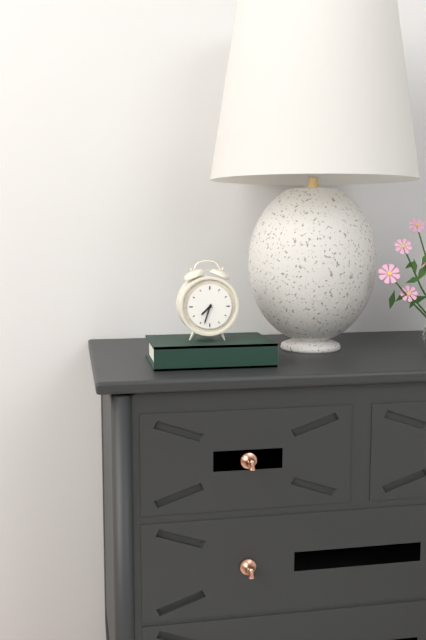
{"hour": 7, "minute": 33}
